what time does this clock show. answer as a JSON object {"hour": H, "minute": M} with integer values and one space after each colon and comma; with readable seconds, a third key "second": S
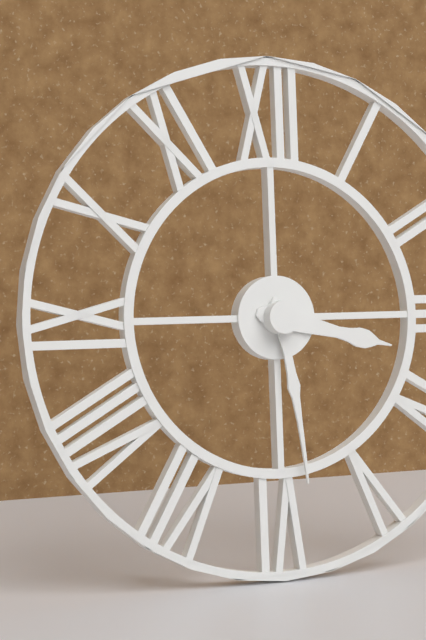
{"hour": 3, "minute": 28}
